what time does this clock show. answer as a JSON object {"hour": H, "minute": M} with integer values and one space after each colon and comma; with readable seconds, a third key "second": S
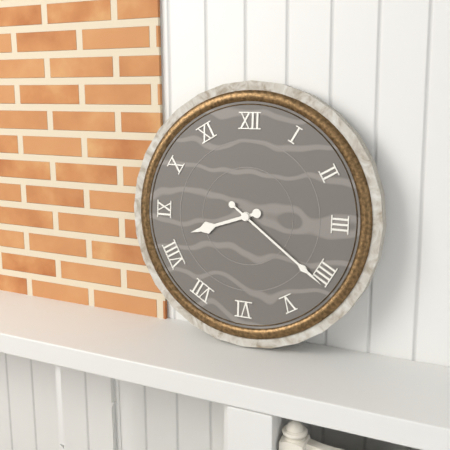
{"hour": 8, "minute": 21}
